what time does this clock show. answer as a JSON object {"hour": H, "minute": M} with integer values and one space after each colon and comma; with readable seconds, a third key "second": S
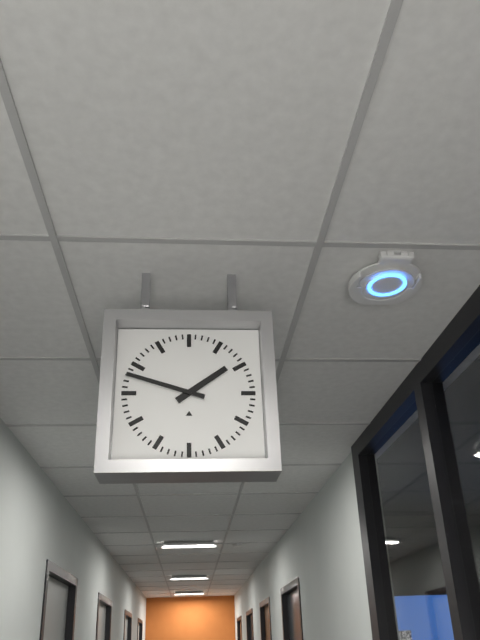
{"hour": 1, "minute": 48}
